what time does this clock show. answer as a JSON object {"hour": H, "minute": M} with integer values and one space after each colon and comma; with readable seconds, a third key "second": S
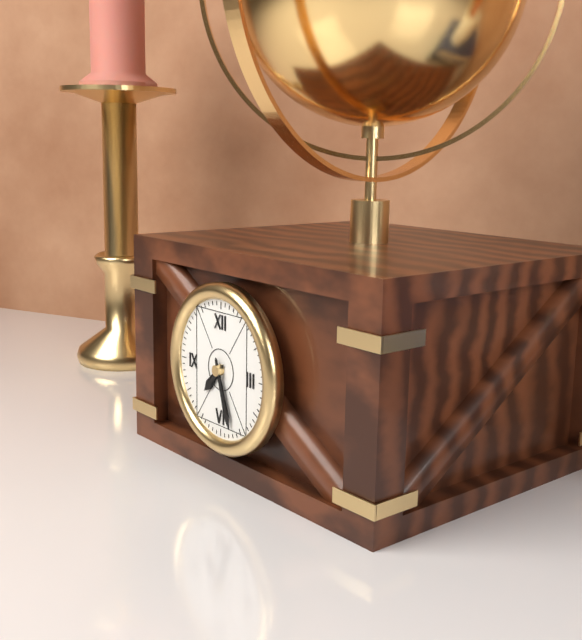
{"hour": 7, "minute": 27}
